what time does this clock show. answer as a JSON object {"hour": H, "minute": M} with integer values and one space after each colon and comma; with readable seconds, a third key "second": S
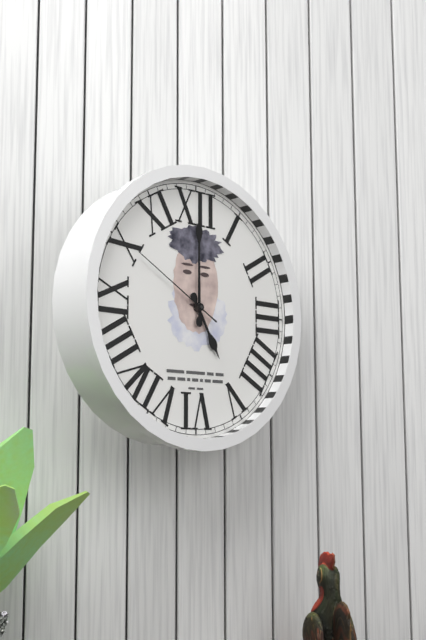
{"hour": 5, "minute": 0, "second": 50}
